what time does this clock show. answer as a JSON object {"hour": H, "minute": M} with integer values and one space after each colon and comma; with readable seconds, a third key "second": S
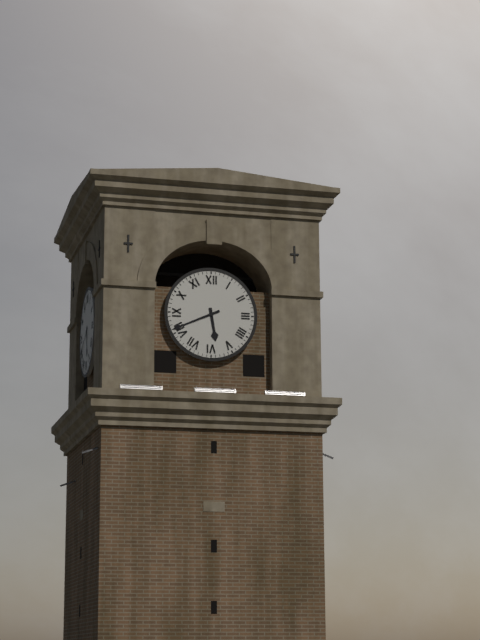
{"hour": 5, "minute": 41}
